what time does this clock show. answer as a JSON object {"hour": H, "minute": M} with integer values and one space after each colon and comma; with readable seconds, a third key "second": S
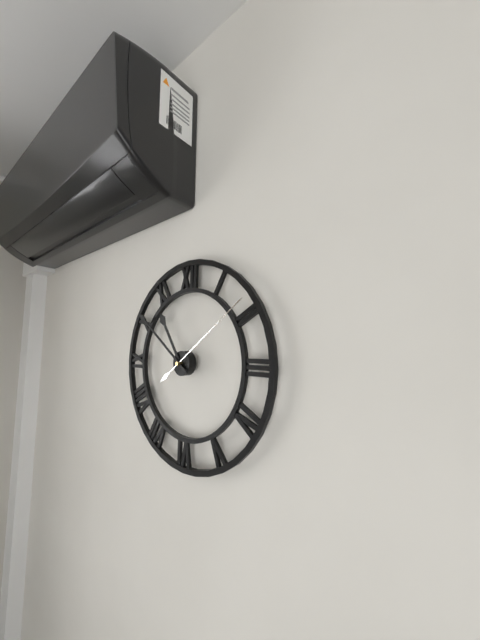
{"hour": 10, "minute": 51, "second": 9}
